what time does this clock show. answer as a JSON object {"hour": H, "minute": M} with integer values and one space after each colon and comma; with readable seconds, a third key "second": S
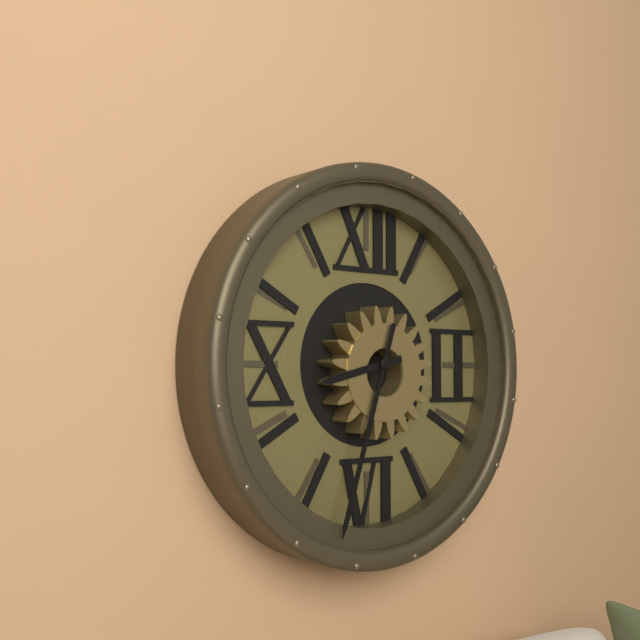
{"hour": 8, "minute": 33}
